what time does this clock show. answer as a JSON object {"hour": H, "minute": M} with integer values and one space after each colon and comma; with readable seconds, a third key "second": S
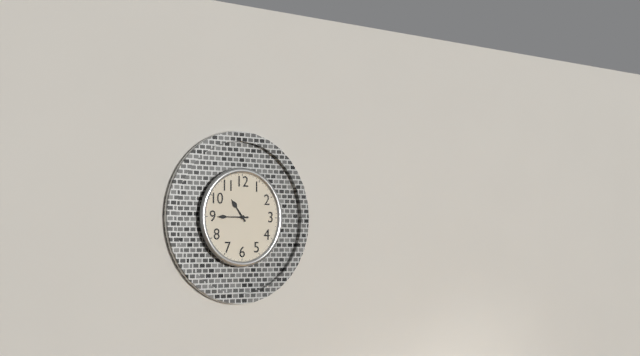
{"hour": 10, "minute": 45}
